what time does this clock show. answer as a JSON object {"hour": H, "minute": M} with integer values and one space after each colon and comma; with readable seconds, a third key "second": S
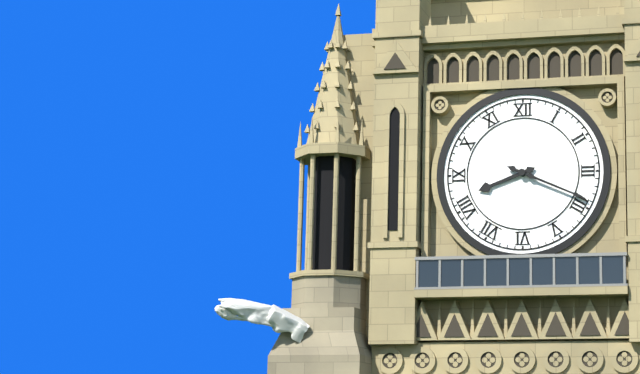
{"hour": 8, "minute": 19}
